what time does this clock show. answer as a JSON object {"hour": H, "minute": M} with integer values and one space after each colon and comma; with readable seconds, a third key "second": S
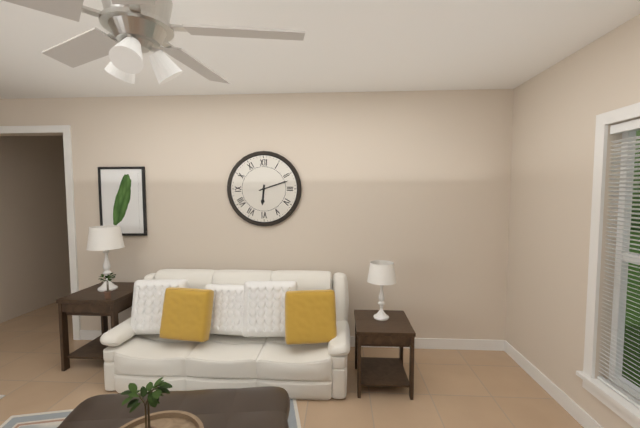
{"hour": 6, "minute": 12}
